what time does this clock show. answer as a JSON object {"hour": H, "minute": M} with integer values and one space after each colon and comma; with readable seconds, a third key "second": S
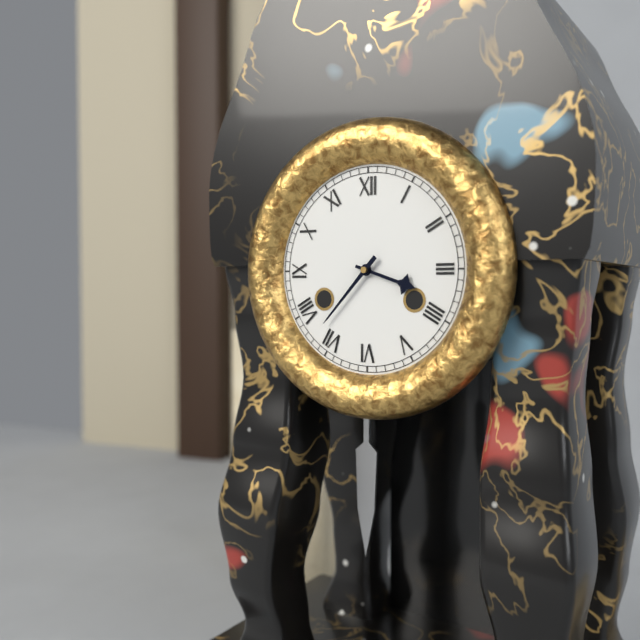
{"hour": 3, "minute": 37}
